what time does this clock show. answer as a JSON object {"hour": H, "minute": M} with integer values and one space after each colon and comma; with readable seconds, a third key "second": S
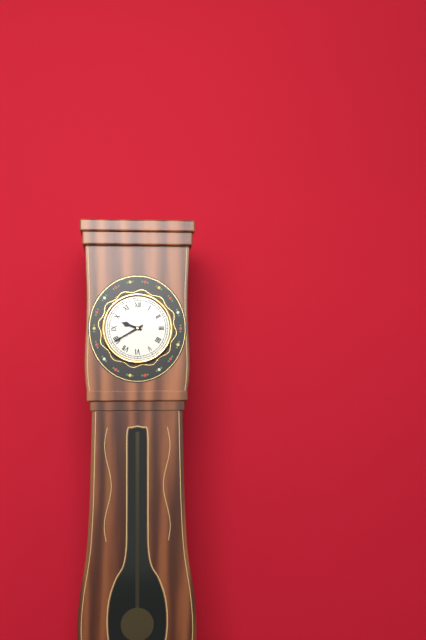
{"hour": 9, "minute": 40}
